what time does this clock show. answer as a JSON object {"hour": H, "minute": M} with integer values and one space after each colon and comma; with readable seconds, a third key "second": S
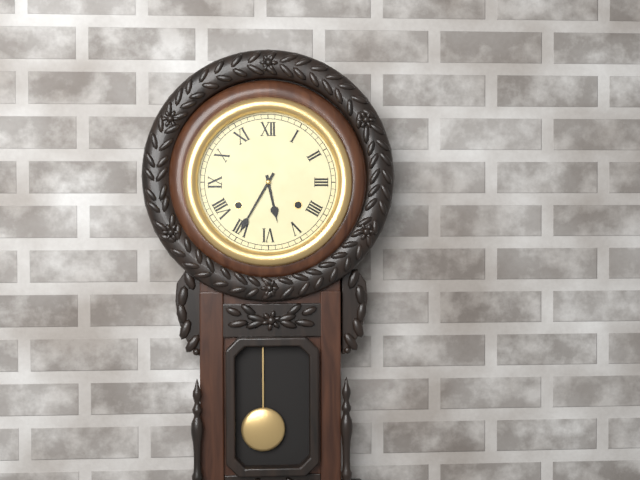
{"hour": 5, "minute": 35}
